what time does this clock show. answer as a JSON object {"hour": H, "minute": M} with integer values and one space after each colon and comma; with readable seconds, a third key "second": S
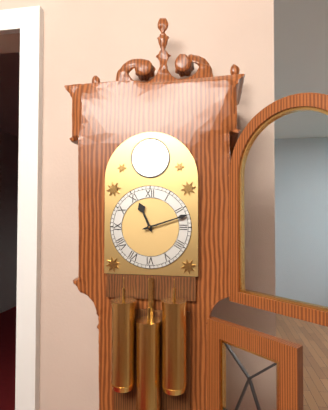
{"hour": 11, "minute": 12}
